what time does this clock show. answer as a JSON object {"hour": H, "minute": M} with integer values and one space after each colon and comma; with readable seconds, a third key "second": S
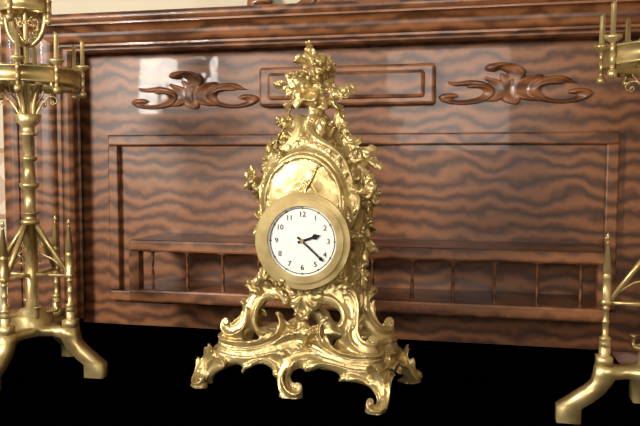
{"hour": 2, "minute": 22}
